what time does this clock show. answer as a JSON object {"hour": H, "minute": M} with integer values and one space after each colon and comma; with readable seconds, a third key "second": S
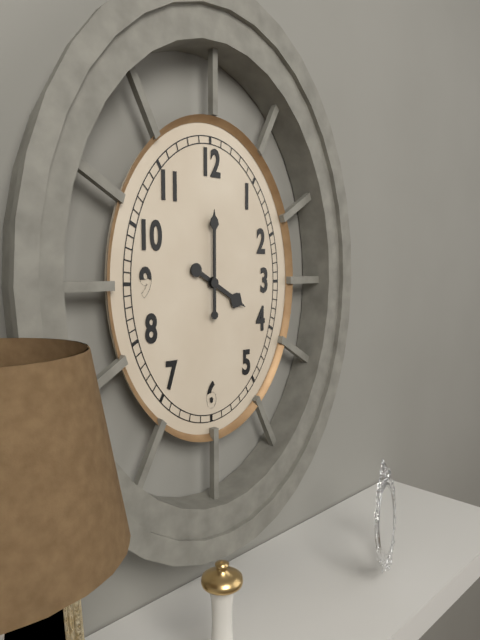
{"hour": 4, "minute": 0}
